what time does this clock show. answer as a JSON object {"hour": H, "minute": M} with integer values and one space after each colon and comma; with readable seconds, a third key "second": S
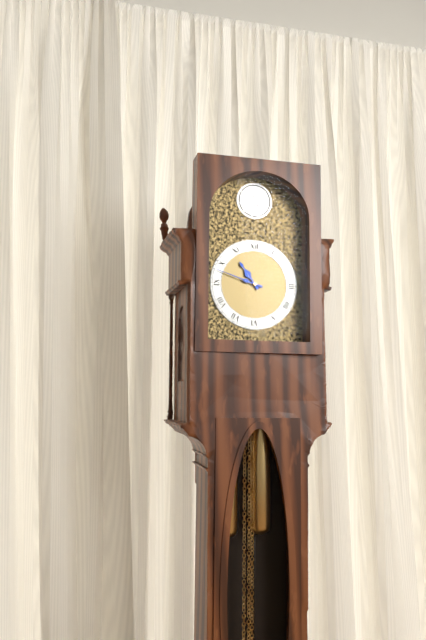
{"hour": 10, "minute": 48}
